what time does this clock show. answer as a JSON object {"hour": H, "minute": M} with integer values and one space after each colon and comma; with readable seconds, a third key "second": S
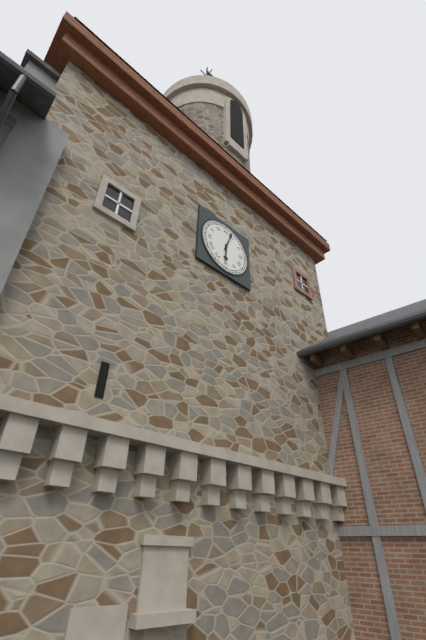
{"hour": 6, "minute": 3}
